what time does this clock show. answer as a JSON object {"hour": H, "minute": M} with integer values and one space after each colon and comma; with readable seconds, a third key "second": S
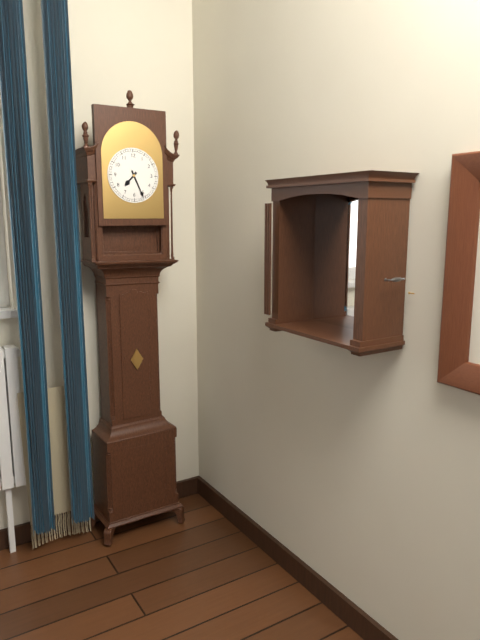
{"hour": 7, "minute": 26}
